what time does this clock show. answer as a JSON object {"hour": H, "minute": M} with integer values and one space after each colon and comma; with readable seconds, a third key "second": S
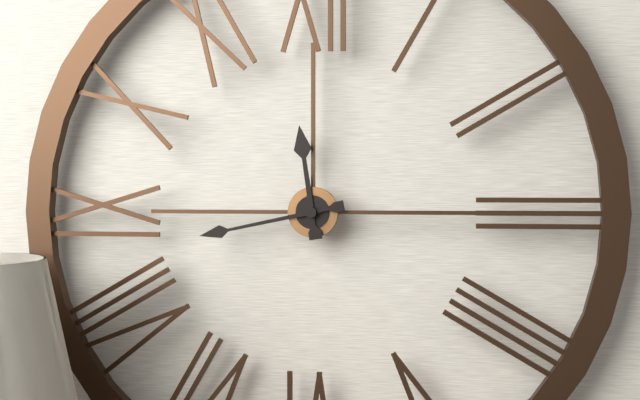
{"hour": 11, "minute": 43}
